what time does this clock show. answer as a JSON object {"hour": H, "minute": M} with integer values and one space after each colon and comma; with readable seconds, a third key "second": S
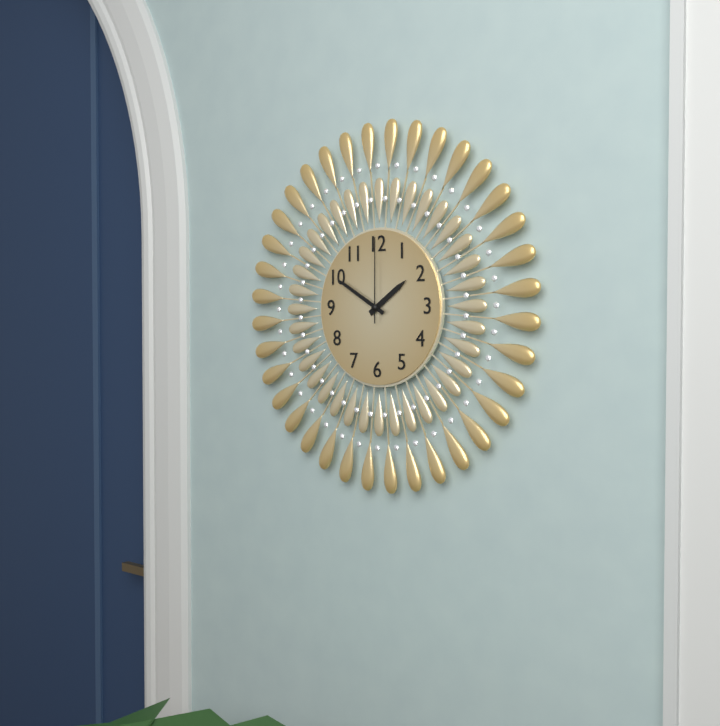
{"hour": 1, "minute": 50, "second": 0}
